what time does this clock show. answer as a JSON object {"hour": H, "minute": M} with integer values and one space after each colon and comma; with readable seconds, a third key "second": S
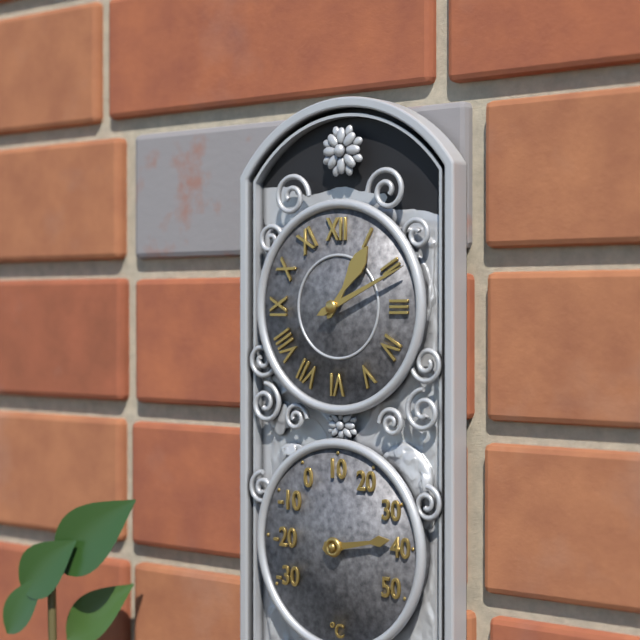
{"hour": 1, "minute": 11}
